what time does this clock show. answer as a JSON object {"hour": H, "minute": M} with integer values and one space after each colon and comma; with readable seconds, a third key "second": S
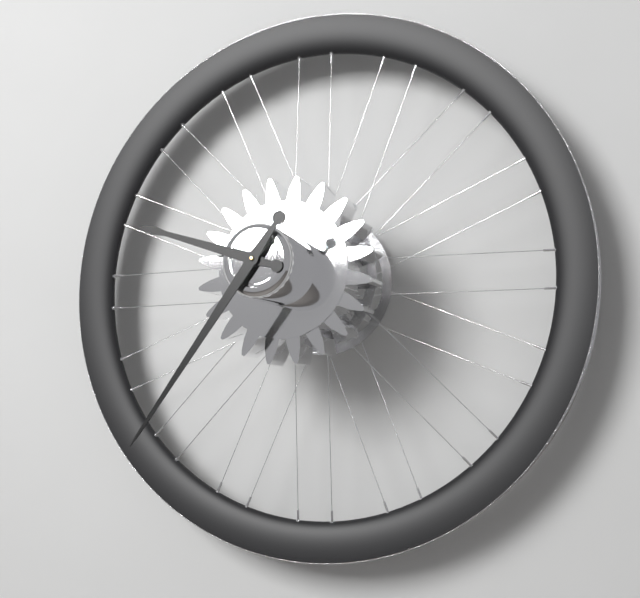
{"hour": 9, "minute": 36}
